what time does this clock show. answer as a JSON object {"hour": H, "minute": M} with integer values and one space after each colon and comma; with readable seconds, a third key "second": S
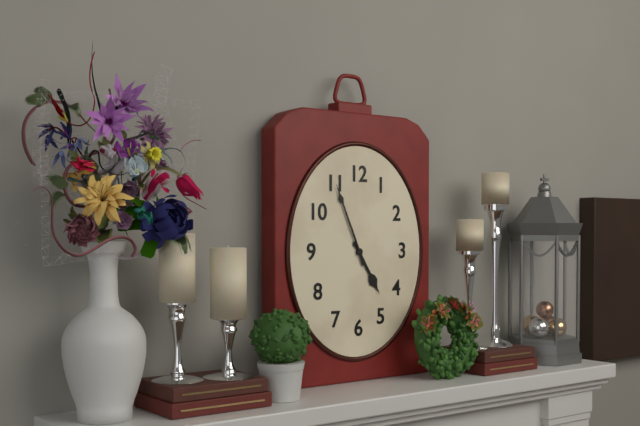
{"hour": 4, "minute": 56}
